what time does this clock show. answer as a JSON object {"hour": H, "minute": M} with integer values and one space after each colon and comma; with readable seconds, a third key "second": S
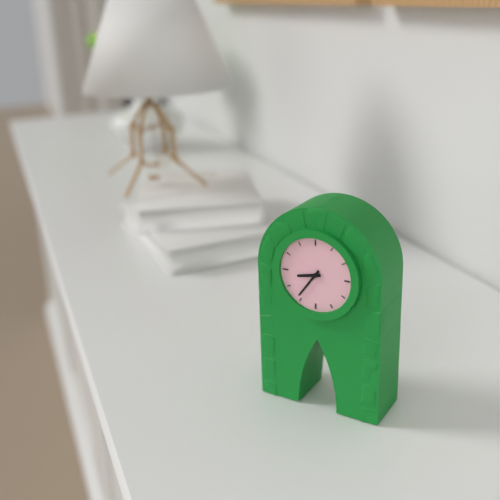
{"hour": 8, "minute": 36}
